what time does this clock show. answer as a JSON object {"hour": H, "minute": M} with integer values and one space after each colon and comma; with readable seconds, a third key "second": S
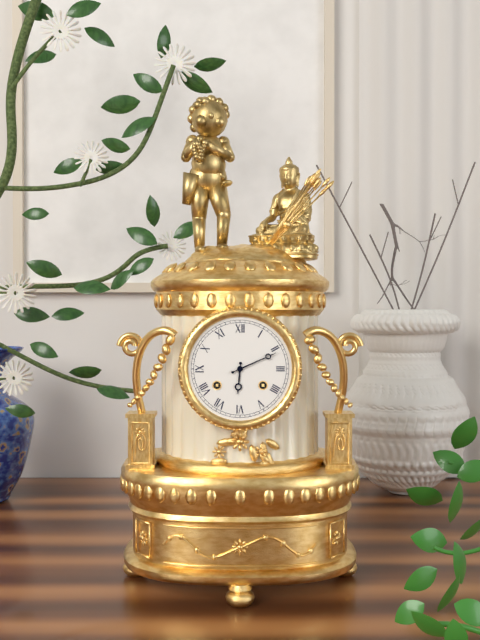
{"hour": 6, "minute": 11}
